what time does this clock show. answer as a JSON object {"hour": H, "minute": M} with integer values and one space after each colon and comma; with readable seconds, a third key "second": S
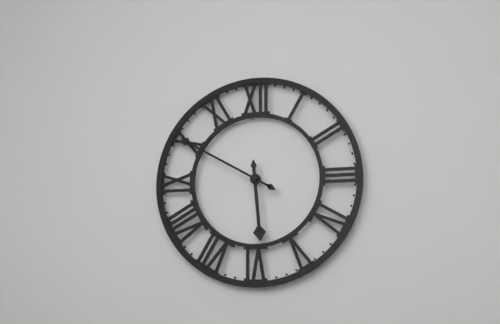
{"hour": 5, "minute": 50}
